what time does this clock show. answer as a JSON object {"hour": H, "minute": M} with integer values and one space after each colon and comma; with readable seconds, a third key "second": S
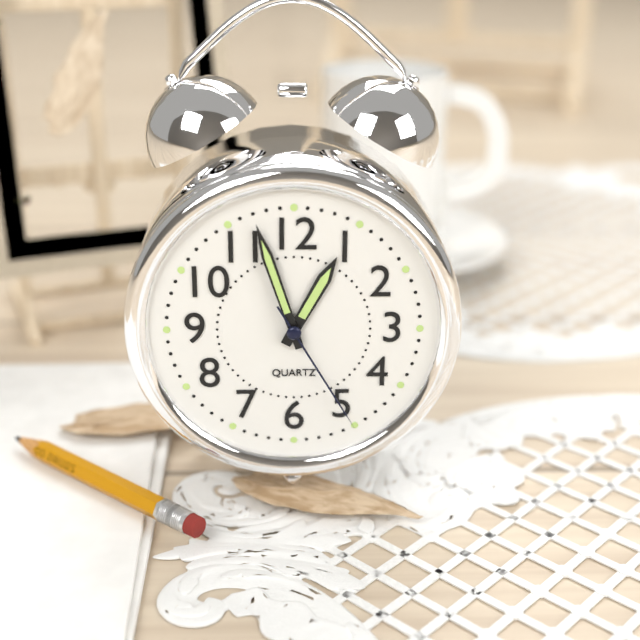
{"hour": 12, "minute": 57, "second": 25}
